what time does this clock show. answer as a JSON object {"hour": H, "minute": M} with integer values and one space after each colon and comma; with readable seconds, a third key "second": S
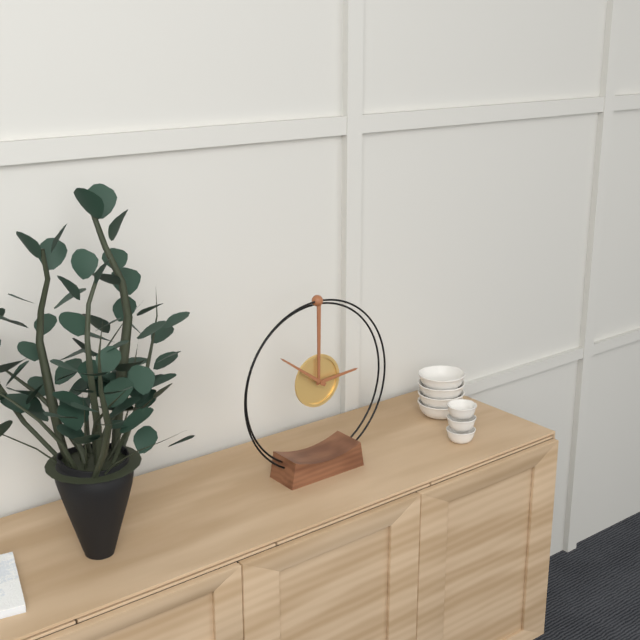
{"hour": 2, "minute": 51}
